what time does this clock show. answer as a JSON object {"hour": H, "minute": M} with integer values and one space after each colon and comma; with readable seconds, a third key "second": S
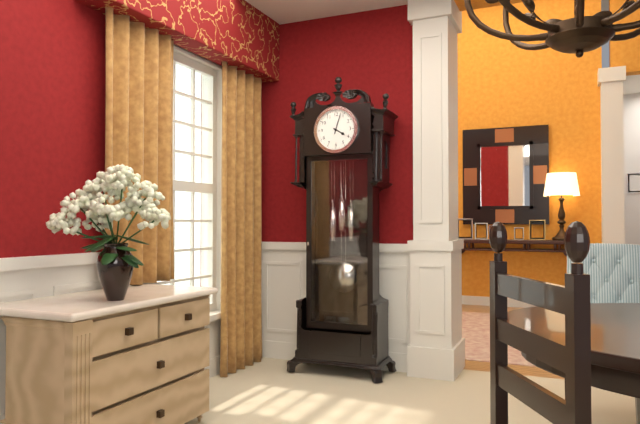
{"hour": 4, "minute": 3}
